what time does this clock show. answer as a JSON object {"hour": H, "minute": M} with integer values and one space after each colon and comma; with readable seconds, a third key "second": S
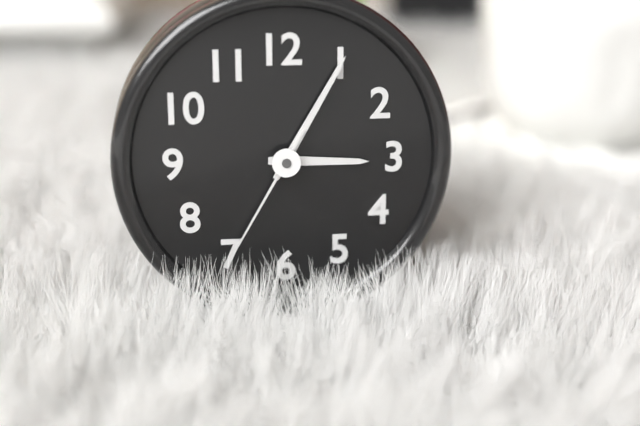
{"hour": 3, "minute": 5, "second": 35}
